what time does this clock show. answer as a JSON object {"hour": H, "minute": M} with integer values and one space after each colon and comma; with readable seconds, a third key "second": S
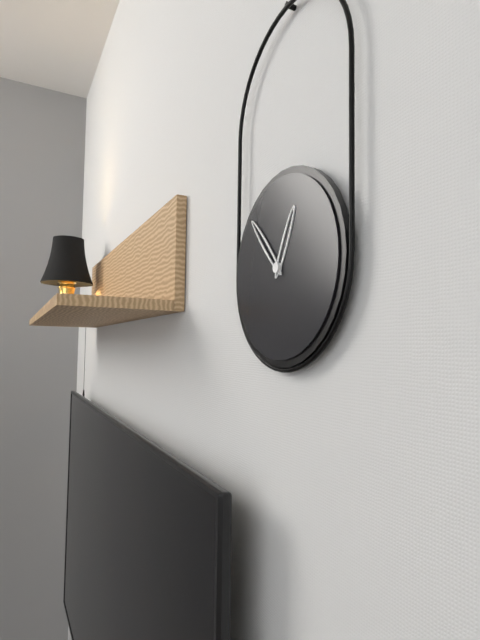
{"hour": 12, "minute": 53}
